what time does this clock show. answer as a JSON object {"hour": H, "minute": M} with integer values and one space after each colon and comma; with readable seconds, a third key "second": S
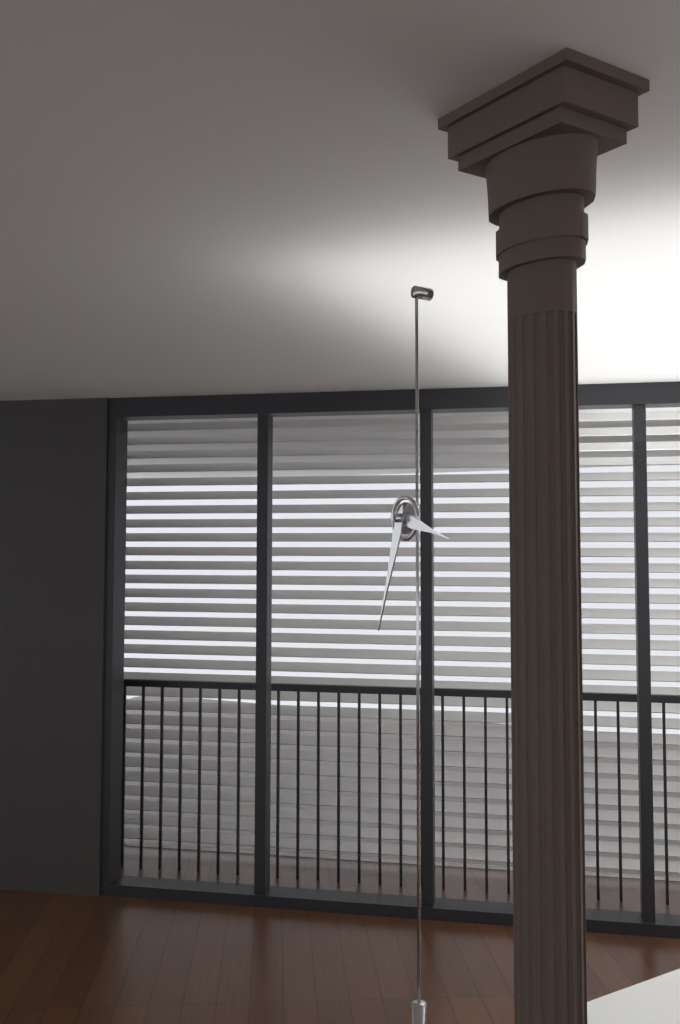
{"hour": 3, "minute": 33}
